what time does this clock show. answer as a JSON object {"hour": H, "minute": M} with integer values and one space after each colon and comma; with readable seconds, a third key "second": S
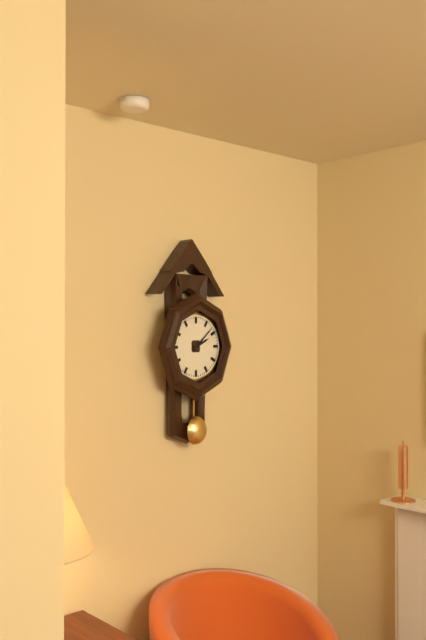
{"hour": 2, "minute": 8}
